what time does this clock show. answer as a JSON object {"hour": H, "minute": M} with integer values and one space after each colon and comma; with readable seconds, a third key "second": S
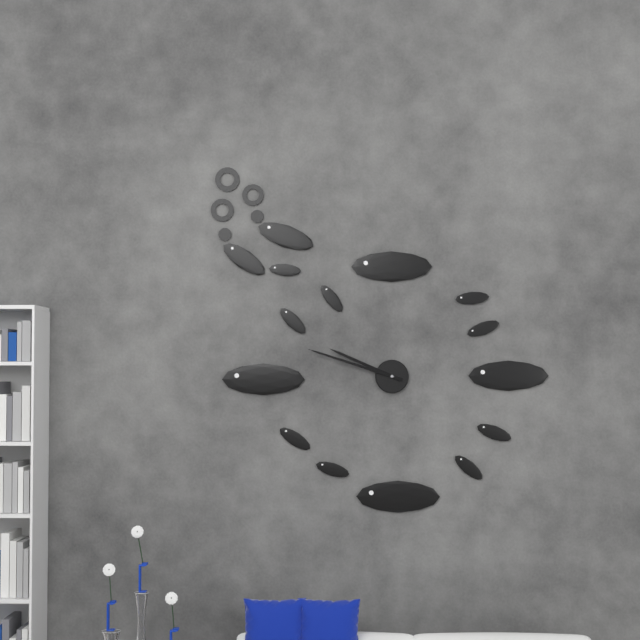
{"hour": 9, "minute": 48}
